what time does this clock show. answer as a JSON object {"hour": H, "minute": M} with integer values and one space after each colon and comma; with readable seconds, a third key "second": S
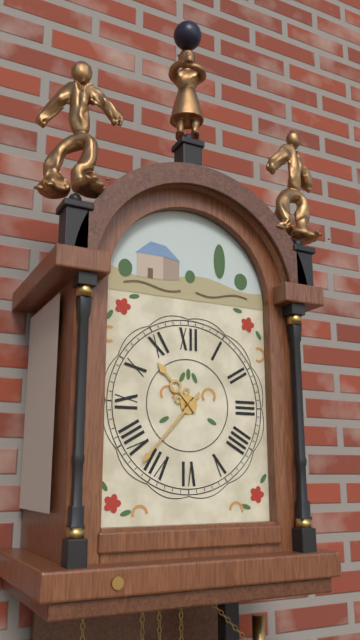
{"hour": 10, "minute": 37}
